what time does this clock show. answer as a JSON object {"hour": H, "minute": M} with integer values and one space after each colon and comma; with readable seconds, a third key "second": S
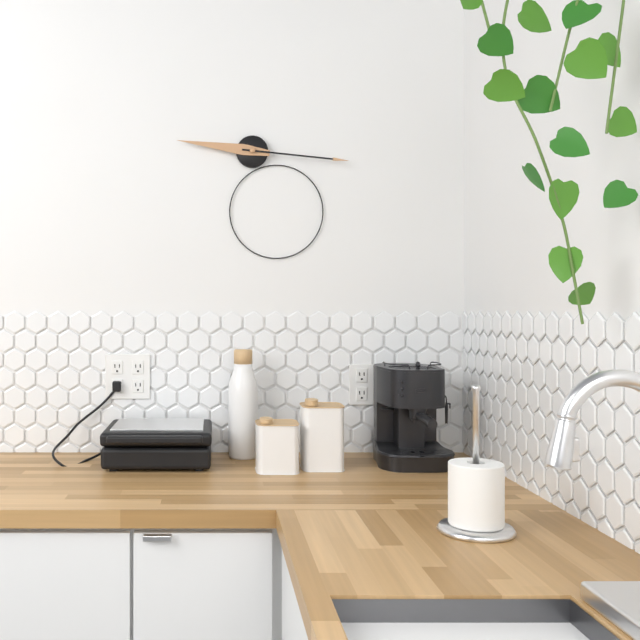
{"hour": 9, "minute": 16}
